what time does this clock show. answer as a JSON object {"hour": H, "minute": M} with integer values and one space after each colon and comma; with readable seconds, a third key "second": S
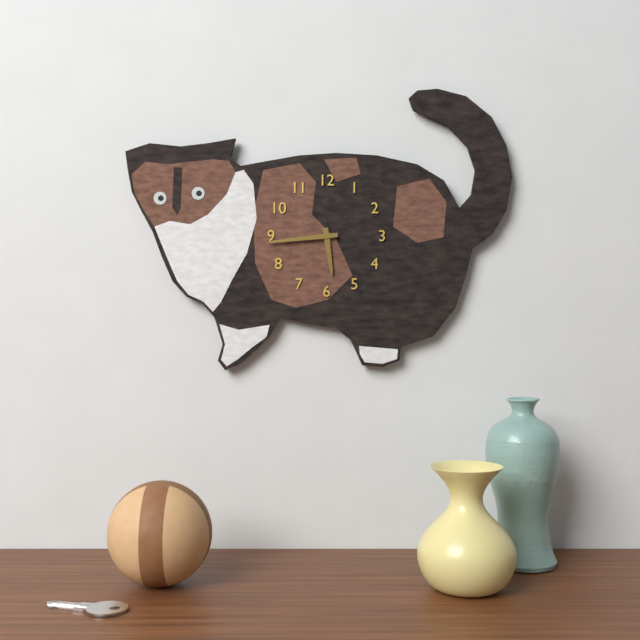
{"hour": 5, "minute": 44}
